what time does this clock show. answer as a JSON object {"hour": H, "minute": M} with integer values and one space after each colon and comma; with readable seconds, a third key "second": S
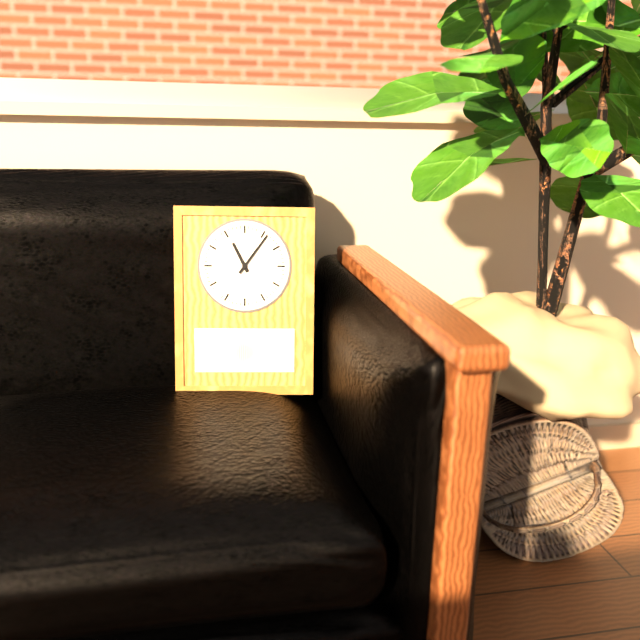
{"hour": 11, "minute": 6}
